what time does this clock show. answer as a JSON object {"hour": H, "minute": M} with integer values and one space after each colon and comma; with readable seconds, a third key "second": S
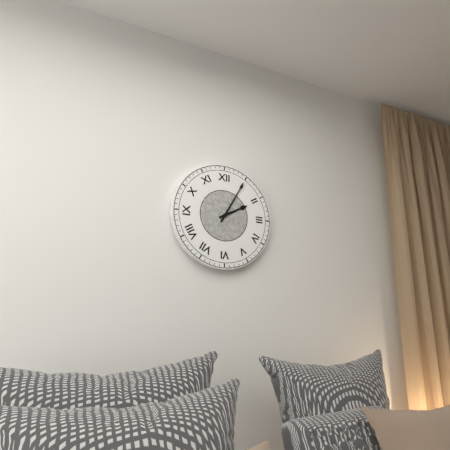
{"hour": 2, "minute": 5}
